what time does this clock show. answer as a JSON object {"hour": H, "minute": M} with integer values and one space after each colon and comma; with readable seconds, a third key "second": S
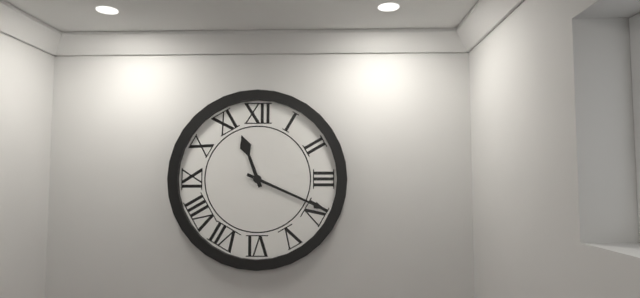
{"hour": 11, "minute": 19}
